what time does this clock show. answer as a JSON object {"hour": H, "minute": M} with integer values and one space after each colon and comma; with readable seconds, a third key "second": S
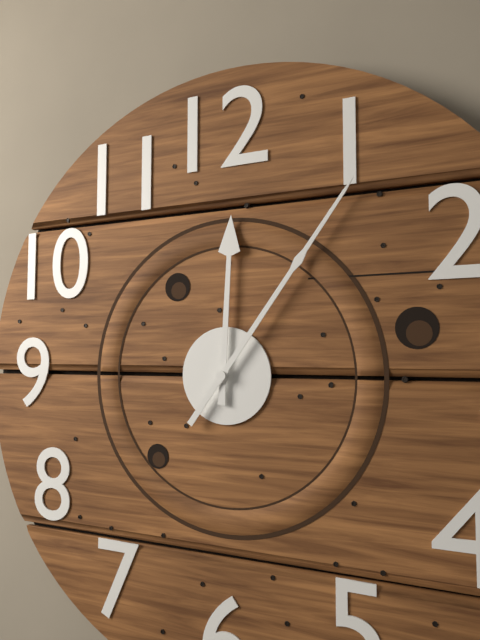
{"hour": 12, "minute": 6}
